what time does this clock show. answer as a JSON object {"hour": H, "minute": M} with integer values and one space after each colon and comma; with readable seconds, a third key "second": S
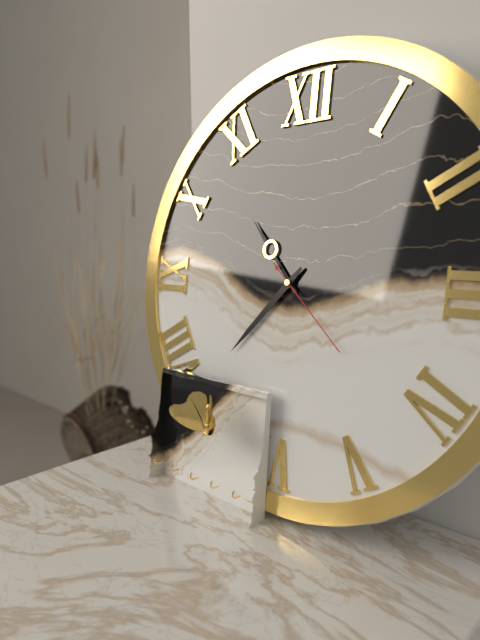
{"hour": 10, "minute": 37, "second": 22}
